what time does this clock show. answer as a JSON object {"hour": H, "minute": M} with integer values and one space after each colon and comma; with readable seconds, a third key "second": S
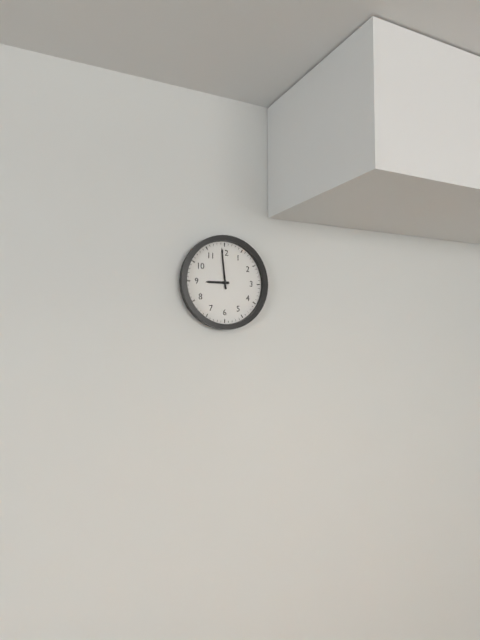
{"hour": 8, "minute": 59}
